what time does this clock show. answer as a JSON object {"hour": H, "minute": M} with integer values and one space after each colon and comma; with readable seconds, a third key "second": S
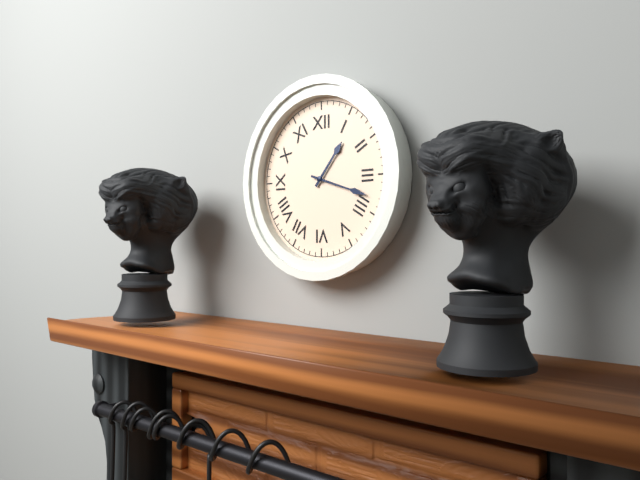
{"hour": 1, "minute": 18}
